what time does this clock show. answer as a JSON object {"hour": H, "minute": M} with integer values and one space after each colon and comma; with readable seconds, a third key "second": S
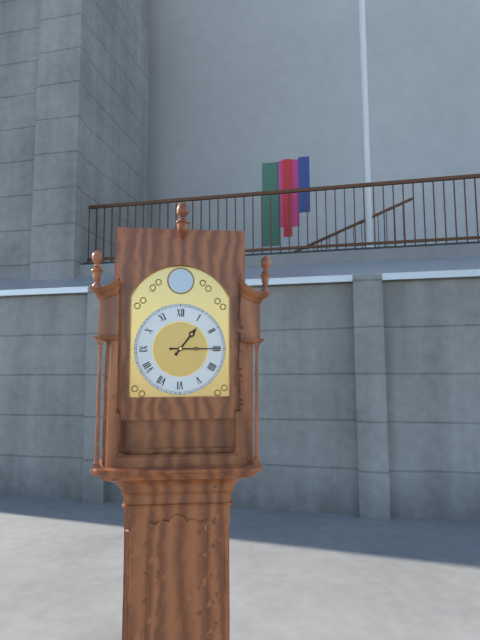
{"hour": 1, "minute": 15}
